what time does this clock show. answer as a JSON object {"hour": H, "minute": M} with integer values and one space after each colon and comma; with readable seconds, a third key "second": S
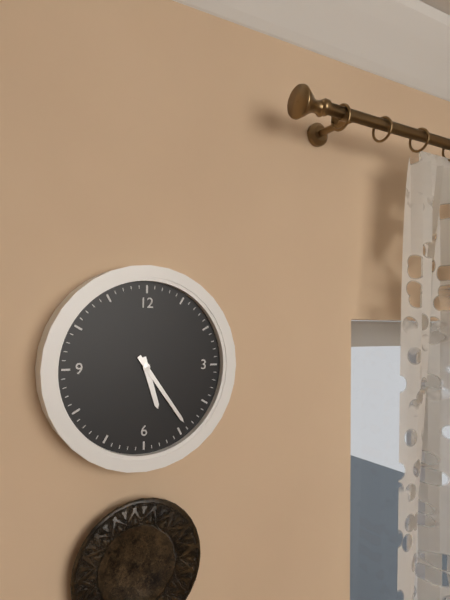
{"hour": 5, "minute": 24}
